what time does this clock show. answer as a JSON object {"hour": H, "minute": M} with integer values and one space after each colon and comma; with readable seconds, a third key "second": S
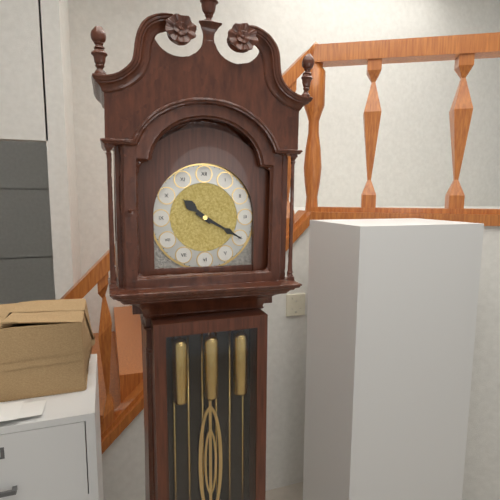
{"hour": 10, "minute": 20}
